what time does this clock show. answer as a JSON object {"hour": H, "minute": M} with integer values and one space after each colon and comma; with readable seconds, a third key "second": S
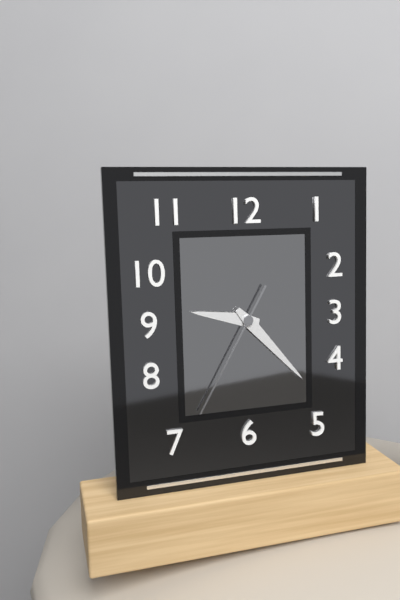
{"hour": 9, "minute": 23, "second": 35}
